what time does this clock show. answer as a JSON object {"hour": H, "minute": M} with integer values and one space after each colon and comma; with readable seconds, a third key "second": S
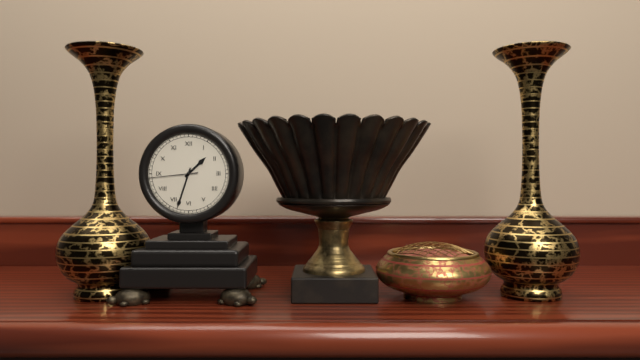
{"hour": 1, "minute": 33}
